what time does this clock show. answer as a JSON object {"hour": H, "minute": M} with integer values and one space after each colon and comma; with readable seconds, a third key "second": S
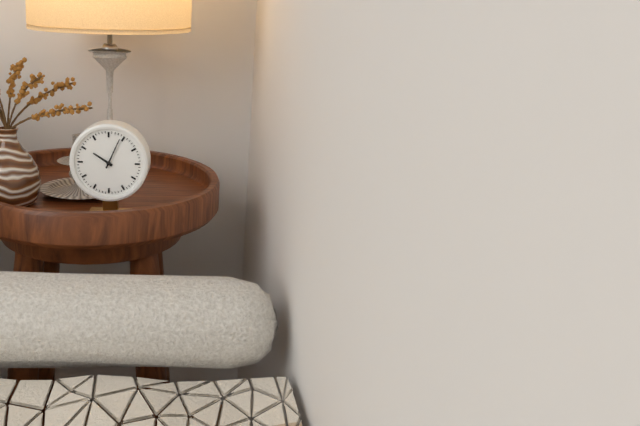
{"hour": 10, "minute": 4}
